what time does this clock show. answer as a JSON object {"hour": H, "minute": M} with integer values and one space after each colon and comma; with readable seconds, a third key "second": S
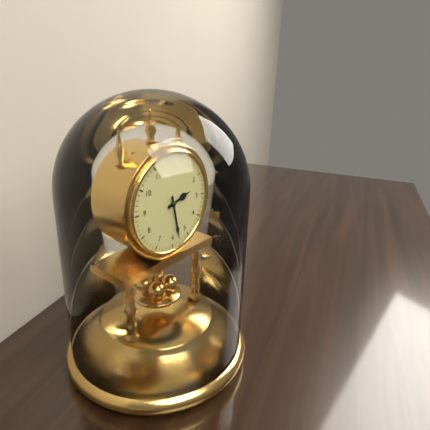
{"hour": 2, "minute": 28}
